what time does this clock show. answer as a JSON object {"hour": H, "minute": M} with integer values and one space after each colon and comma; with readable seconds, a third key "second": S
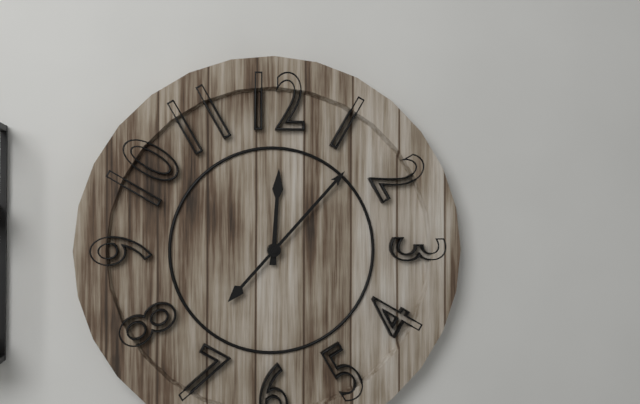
{"hour": 12, "minute": 7}
